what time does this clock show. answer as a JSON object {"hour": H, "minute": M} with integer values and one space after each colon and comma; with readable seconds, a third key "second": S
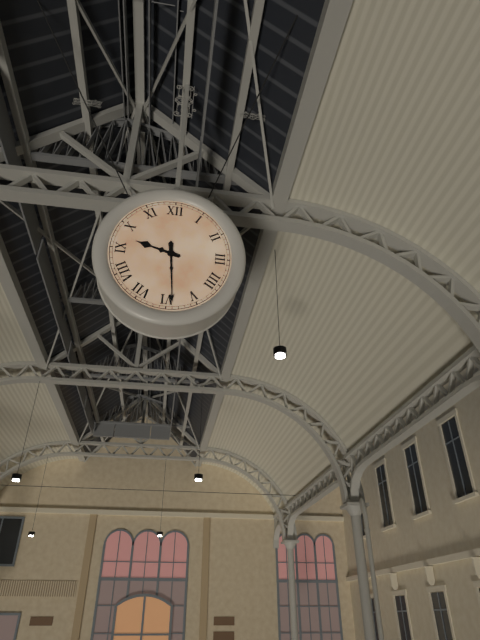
{"hour": 9, "minute": 29}
